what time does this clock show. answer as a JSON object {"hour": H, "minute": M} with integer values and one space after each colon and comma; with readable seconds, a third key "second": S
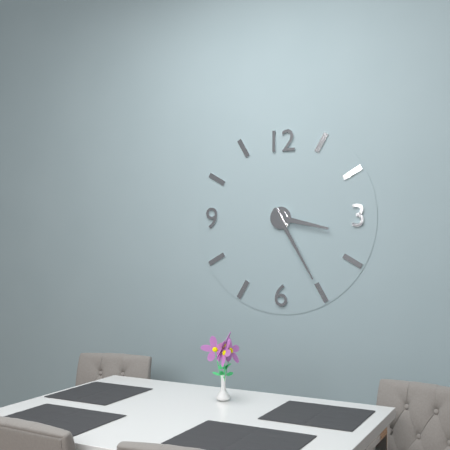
{"hour": 3, "minute": 25}
